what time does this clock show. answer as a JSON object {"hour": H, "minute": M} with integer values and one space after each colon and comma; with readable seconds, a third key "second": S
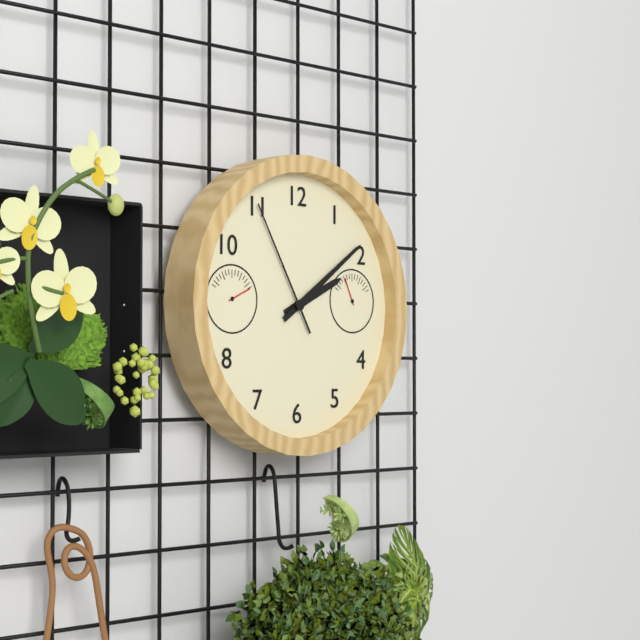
{"hour": 2, "minute": 9, "second": 55}
